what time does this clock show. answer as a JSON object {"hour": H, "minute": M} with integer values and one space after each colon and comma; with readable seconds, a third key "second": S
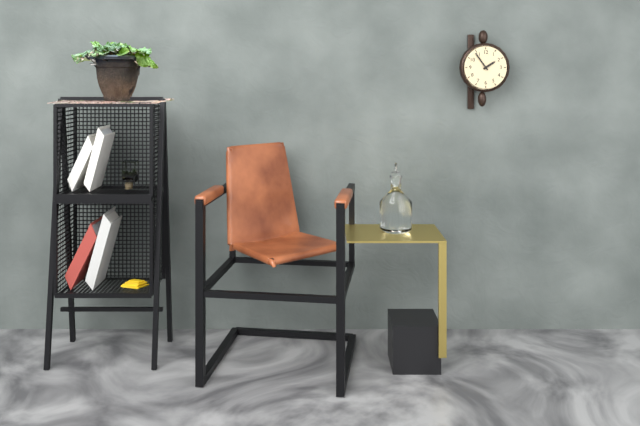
{"hour": 1, "minute": 54}
